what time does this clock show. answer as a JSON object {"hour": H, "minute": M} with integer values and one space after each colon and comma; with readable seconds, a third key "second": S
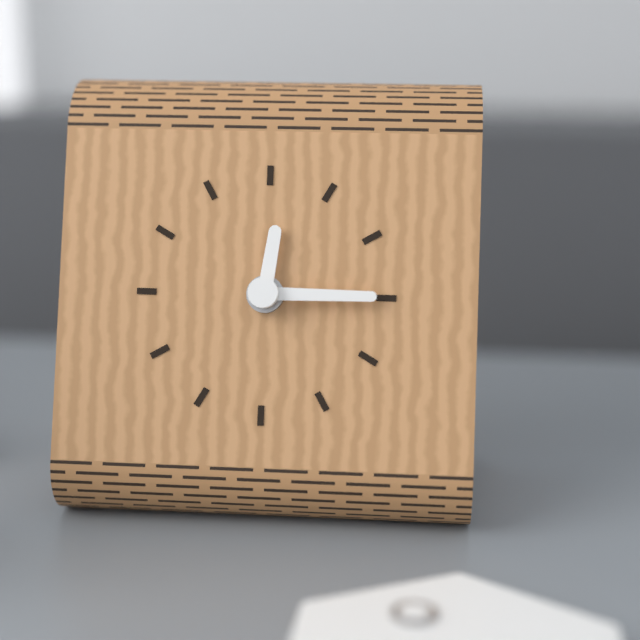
{"hour": 12, "minute": 15}
